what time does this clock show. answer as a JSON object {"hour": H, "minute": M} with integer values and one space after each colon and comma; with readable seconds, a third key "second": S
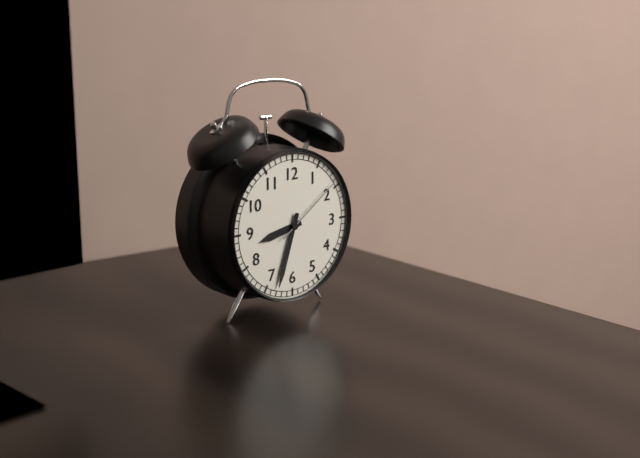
{"hour": 8, "minute": 33, "second": 9}
